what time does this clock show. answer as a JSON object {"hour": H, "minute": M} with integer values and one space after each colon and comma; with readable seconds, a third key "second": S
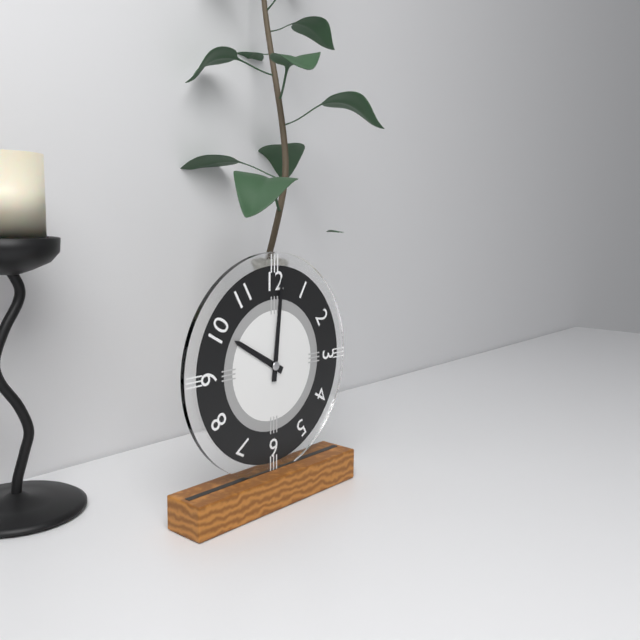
{"hour": 10, "minute": 1}
